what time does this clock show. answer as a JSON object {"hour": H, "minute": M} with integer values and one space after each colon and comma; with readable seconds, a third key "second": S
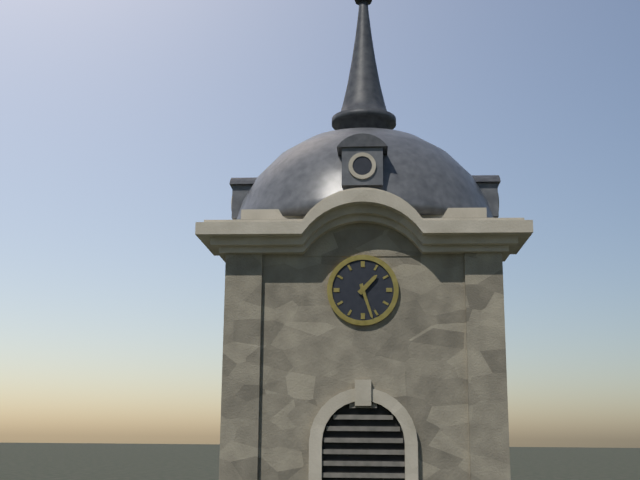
{"hour": 1, "minute": 27}
